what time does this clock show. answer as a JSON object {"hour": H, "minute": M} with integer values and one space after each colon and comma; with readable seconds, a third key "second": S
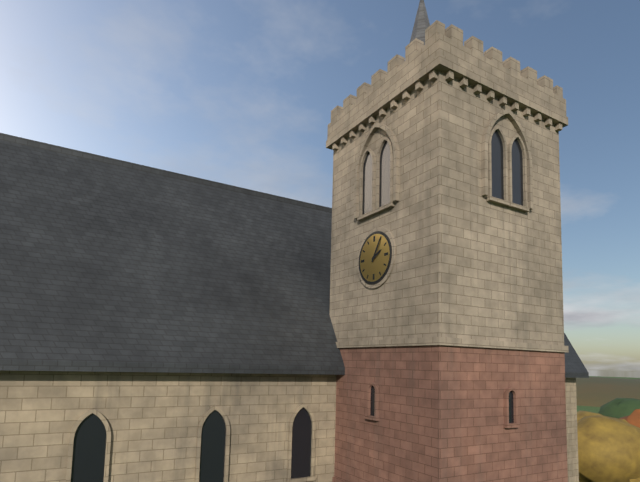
{"hour": 2, "minute": 5}
